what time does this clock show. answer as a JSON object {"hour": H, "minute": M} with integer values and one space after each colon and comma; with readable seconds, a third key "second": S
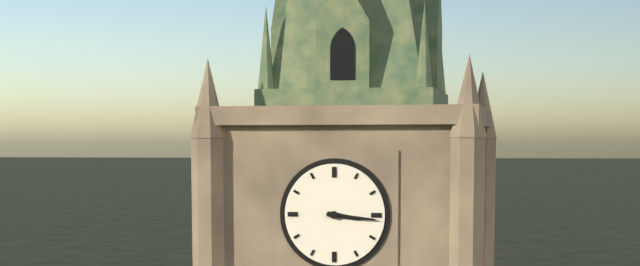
{"hour": 3, "minute": 16}
